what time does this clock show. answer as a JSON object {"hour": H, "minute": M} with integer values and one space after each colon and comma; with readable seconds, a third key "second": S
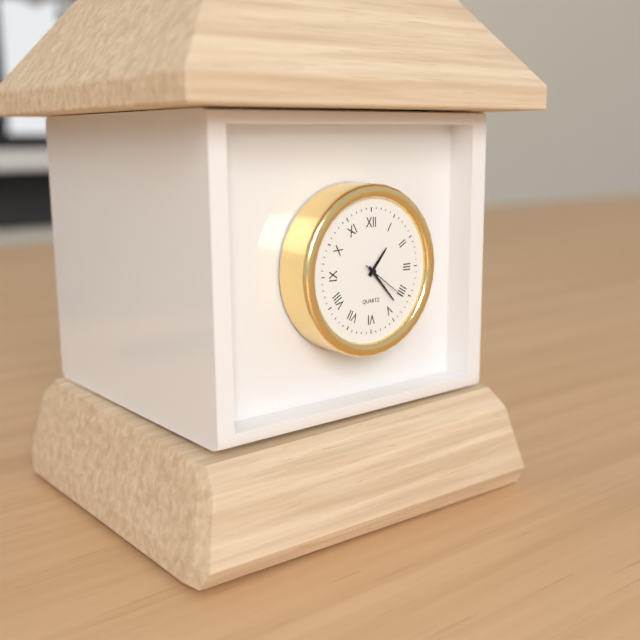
{"hour": 1, "minute": 23}
